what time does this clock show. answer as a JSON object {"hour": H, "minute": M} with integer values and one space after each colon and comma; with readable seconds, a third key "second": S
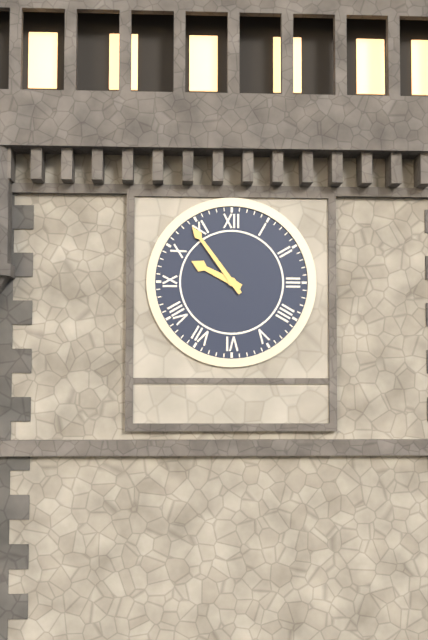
{"hour": 9, "minute": 54}
